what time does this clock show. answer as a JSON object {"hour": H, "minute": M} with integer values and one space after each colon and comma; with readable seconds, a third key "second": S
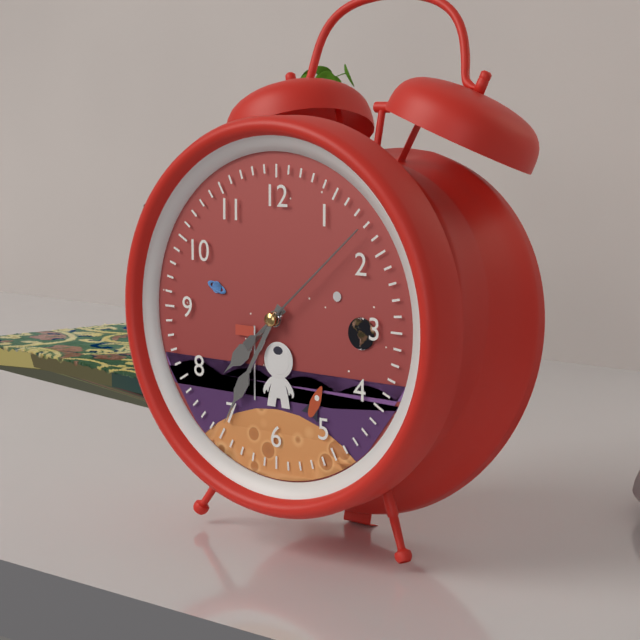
{"hour": 7, "minute": 35, "second": 8}
